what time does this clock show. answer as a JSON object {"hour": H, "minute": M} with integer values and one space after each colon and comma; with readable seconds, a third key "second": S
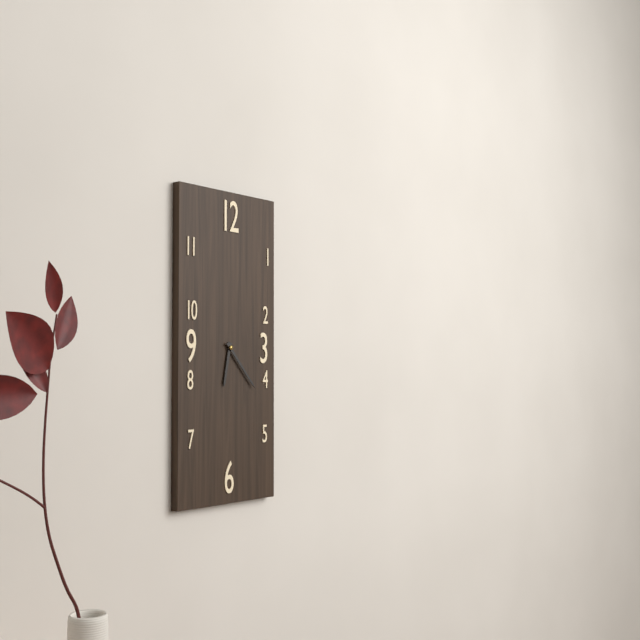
{"hour": 6, "minute": 23}
